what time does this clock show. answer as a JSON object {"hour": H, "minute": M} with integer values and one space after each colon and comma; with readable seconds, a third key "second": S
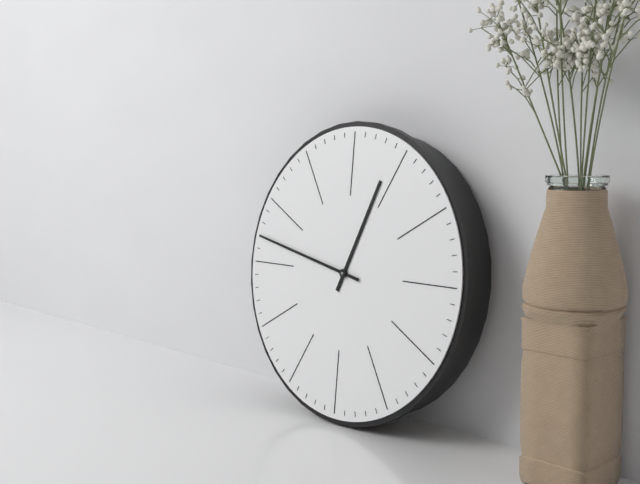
{"hour": 12, "minute": 47}
